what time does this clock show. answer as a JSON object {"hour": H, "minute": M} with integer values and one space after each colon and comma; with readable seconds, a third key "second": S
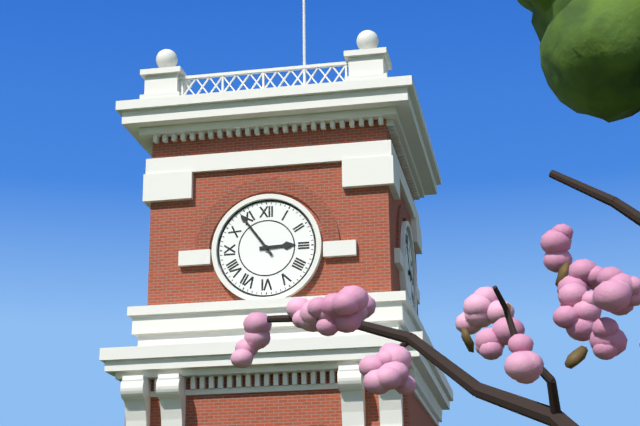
{"hour": 2, "minute": 54}
